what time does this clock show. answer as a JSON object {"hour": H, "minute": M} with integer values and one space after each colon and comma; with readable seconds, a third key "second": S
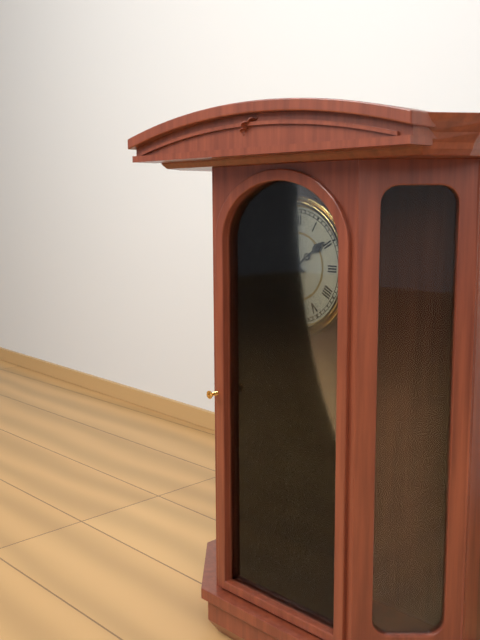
{"hour": 1, "minute": 49}
